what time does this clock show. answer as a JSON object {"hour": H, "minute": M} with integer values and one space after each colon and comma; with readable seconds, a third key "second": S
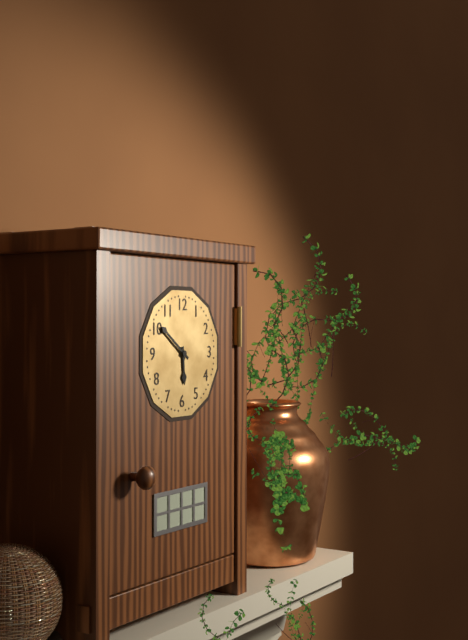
{"hour": 5, "minute": 51}
